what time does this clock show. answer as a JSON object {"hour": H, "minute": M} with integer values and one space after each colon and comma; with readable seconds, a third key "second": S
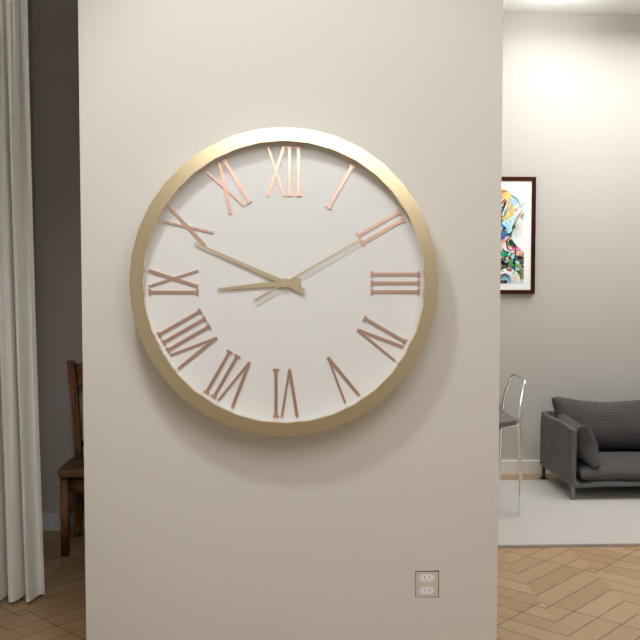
{"hour": 8, "minute": 49, "second": 10}
